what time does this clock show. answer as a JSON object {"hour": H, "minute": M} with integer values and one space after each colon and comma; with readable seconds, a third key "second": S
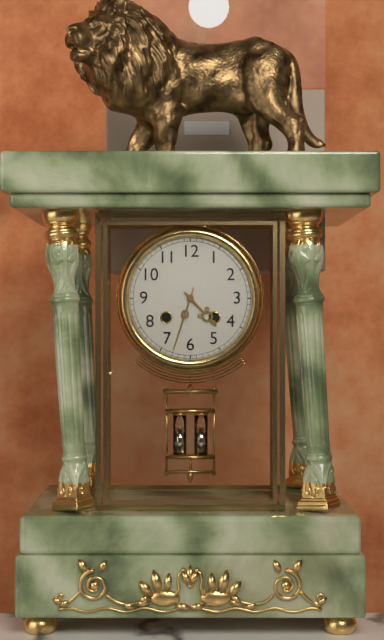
{"hour": 4, "minute": 33}
